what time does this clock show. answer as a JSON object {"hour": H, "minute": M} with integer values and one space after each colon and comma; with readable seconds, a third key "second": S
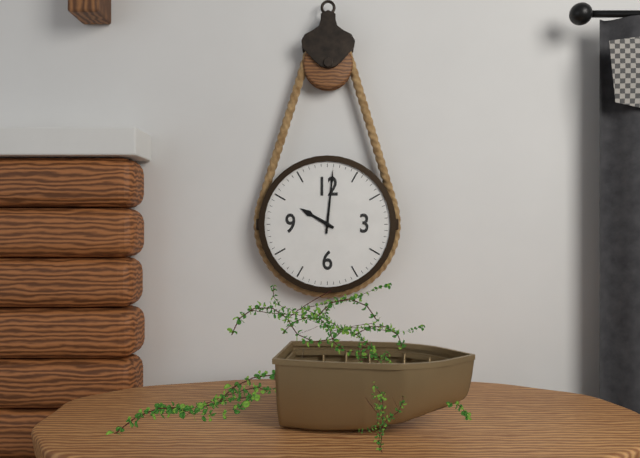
{"hour": 10, "minute": 1}
